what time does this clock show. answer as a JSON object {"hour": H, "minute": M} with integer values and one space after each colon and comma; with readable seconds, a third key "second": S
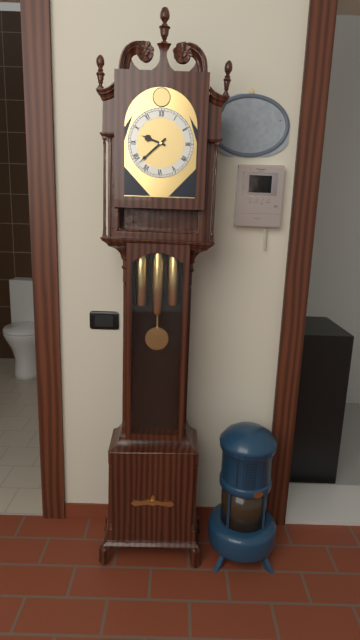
{"hour": 9, "minute": 38}
